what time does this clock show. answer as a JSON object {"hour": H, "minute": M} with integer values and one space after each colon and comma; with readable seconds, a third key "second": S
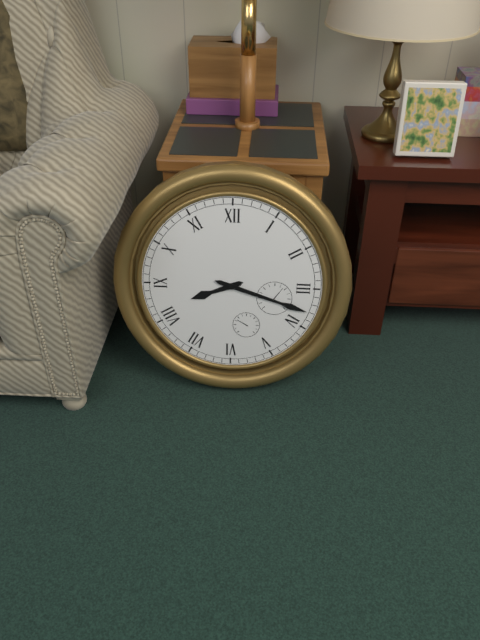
{"hour": 8, "minute": 18}
